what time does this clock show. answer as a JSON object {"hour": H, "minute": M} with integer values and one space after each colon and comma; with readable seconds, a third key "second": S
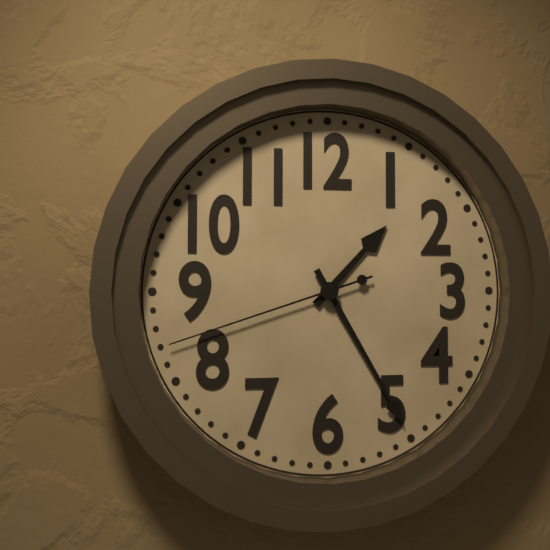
{"hour": 1, "minute": 25, "second": 42}
